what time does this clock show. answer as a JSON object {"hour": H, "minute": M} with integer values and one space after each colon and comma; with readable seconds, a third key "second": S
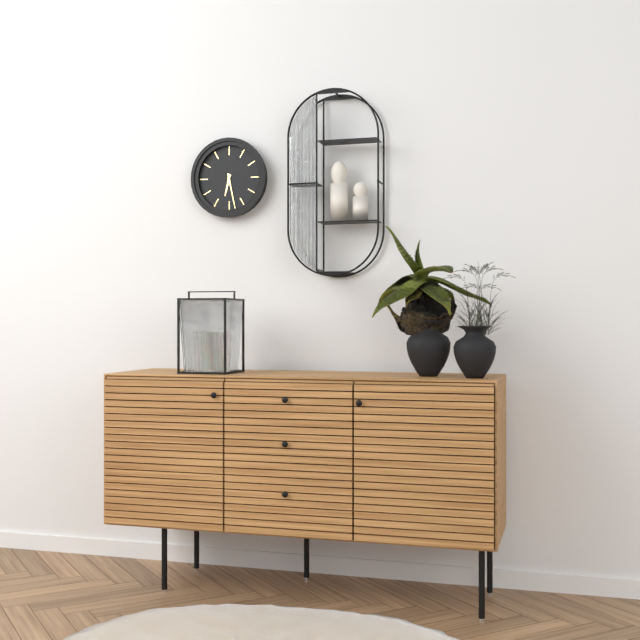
{"hour": 6, "minute": 28}
